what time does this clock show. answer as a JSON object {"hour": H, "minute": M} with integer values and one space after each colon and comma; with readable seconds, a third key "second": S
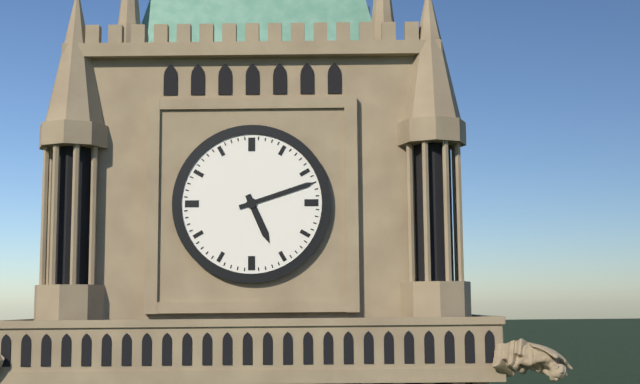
{"hour": 5, "minute": 12}
